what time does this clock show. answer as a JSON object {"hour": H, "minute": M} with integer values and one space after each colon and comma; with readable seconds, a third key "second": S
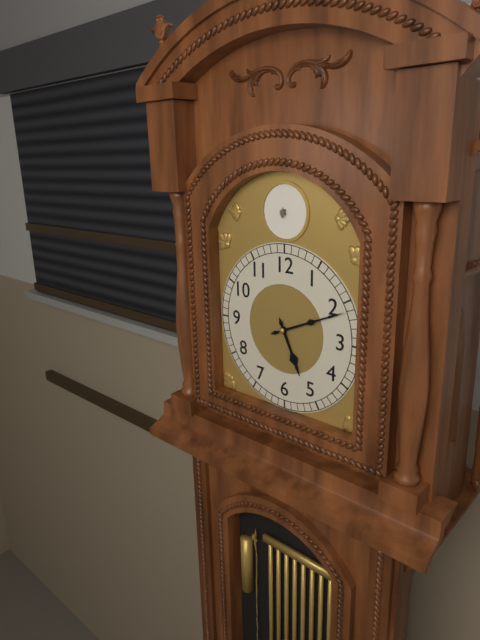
{"hour": 5, "minute": 11}
